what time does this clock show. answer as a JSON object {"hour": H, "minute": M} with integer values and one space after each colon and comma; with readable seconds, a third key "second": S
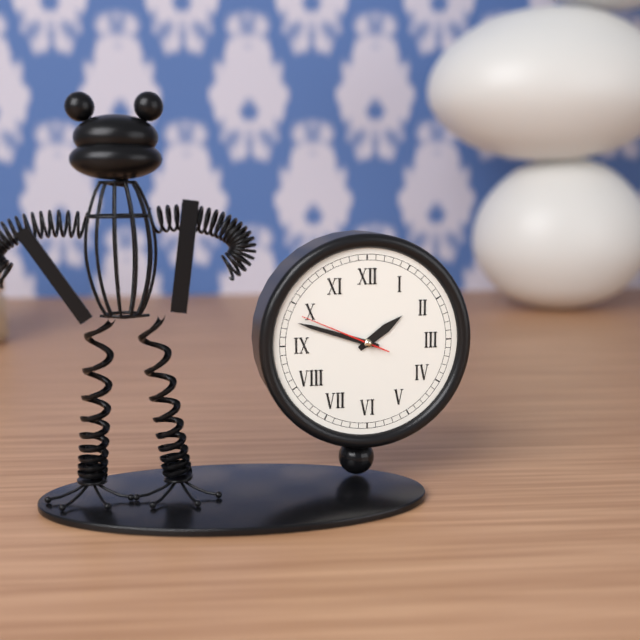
{"hour": 1, "minute": 48, "second": 49}
